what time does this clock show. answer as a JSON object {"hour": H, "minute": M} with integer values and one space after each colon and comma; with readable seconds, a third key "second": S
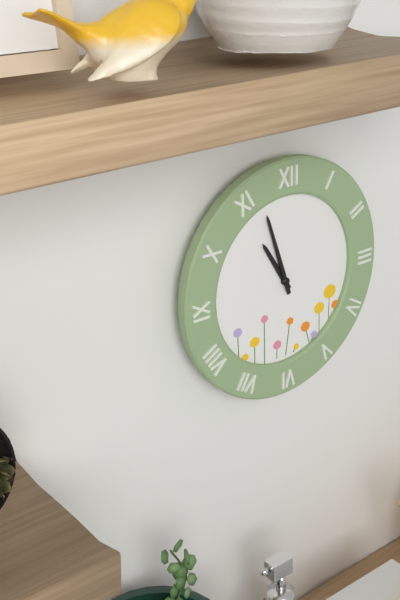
{"hour": 10, "minute": 57}
